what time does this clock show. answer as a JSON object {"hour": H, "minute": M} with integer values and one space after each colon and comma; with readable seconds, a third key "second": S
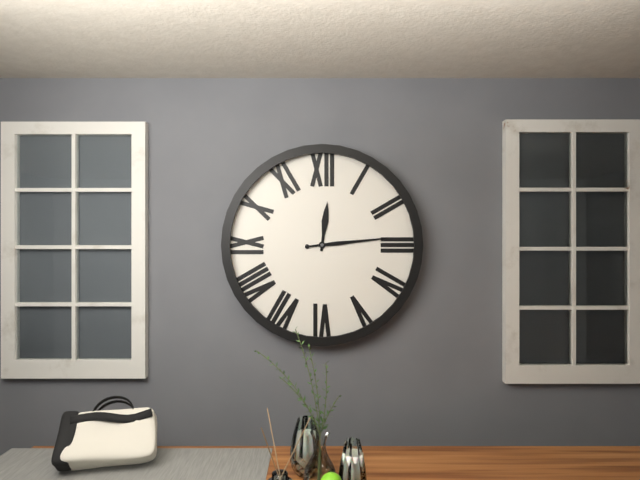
{"hour": 12, "minute": 14}
